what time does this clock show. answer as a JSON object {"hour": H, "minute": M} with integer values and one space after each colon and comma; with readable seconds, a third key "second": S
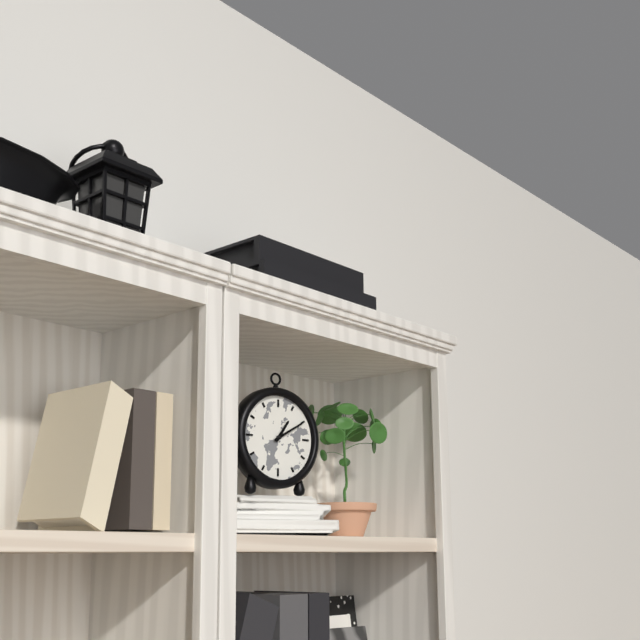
{"hour": 1, "minute": 10}
